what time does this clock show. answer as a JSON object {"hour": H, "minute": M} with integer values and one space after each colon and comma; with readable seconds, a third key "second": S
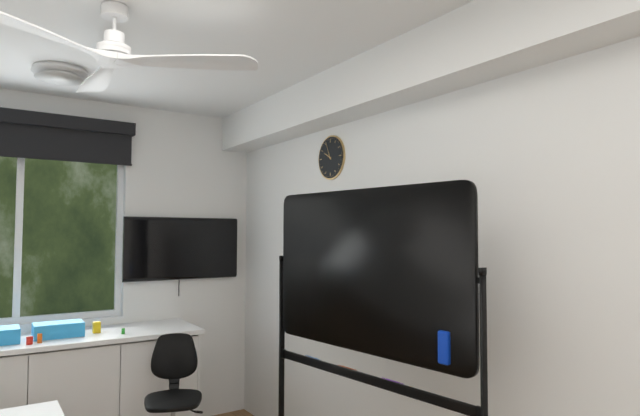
{"hour": 9, "minute": 56}
